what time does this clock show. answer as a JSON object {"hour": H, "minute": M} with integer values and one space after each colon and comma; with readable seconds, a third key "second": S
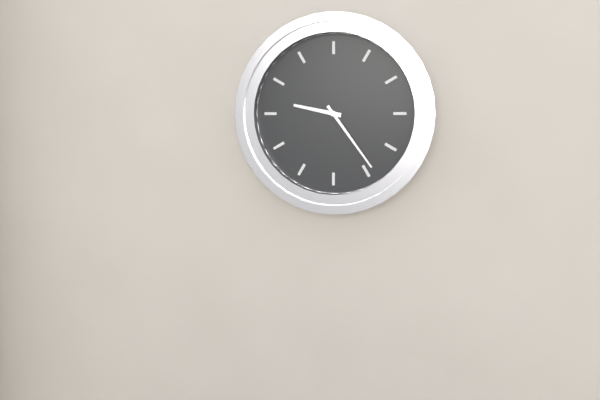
{"hour": 9, "minute": 24}
